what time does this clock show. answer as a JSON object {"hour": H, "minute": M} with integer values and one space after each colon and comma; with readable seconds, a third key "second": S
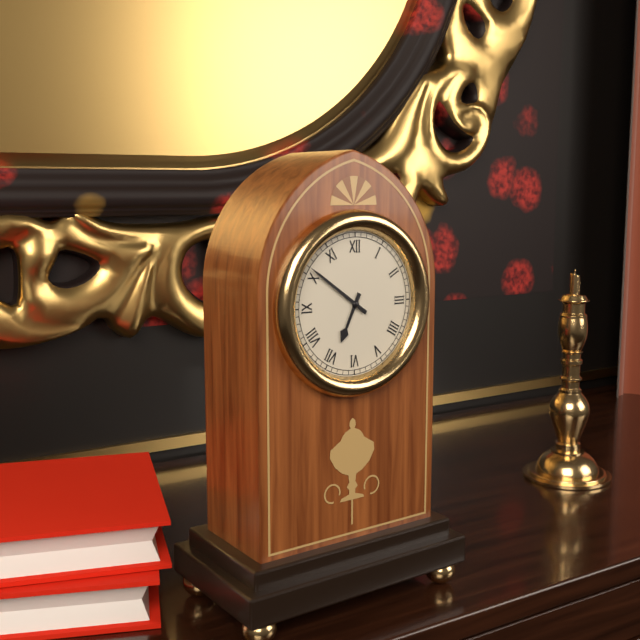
{"hour": 6, "minute": 51}
